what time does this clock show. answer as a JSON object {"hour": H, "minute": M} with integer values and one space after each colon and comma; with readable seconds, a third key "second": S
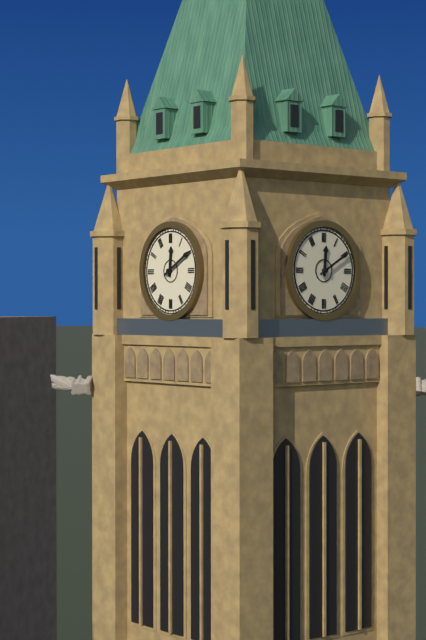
{"hour": 12, "minute": 10}
